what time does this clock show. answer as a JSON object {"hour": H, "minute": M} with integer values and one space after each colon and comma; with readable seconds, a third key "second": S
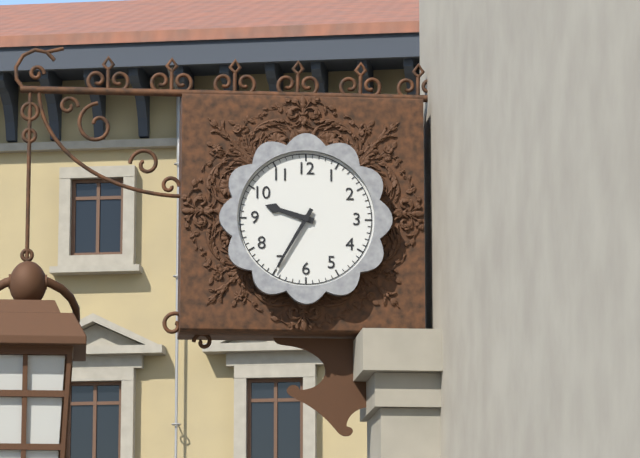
{"hour": 9, "minute": 35}
